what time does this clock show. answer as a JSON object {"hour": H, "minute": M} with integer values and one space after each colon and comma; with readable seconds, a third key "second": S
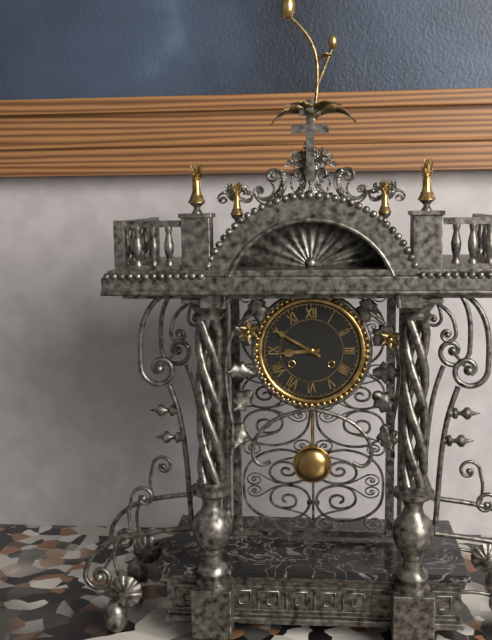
{"hour": 8, "minute": 50}
